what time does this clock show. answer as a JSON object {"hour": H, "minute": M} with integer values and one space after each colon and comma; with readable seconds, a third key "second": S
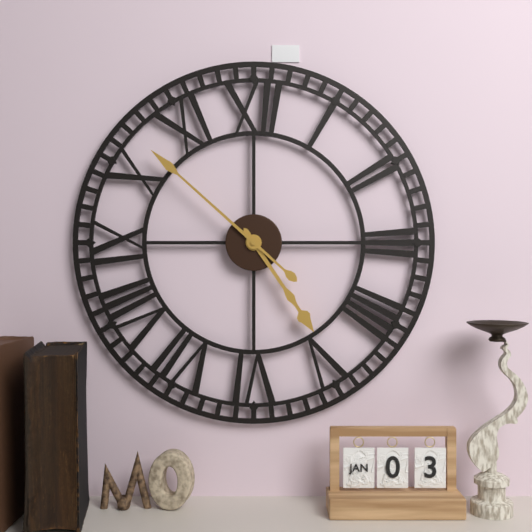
{"hour": 4, "minute": 52}
